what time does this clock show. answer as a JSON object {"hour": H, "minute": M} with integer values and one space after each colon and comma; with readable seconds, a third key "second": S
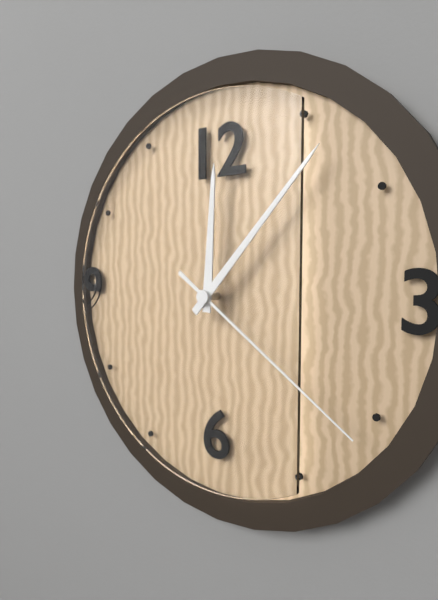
{"hour": 12, "minute": 7, "second": 21}
